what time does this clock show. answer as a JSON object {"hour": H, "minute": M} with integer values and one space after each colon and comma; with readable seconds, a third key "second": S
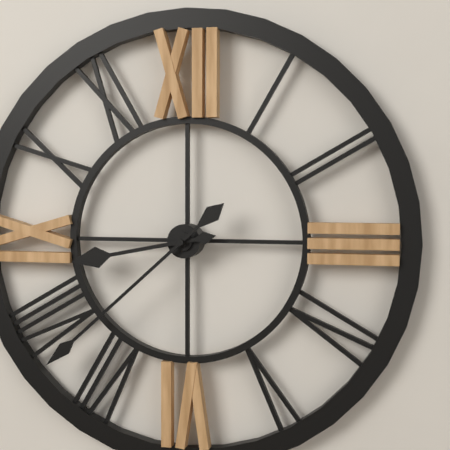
{"hour": 8, "minute": 38}
